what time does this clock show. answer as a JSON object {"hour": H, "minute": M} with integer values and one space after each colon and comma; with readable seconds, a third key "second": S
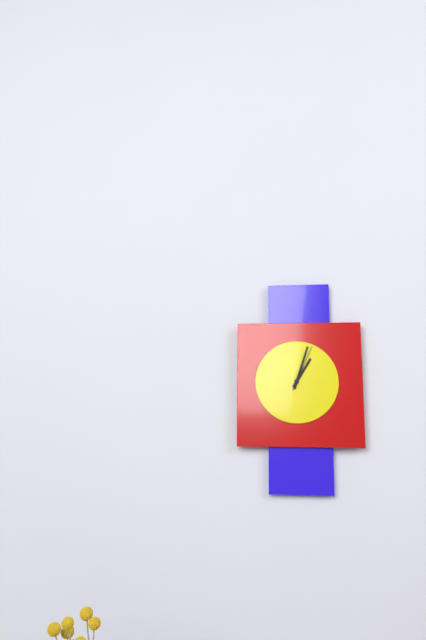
{"hour": 1, "minute": 3}
